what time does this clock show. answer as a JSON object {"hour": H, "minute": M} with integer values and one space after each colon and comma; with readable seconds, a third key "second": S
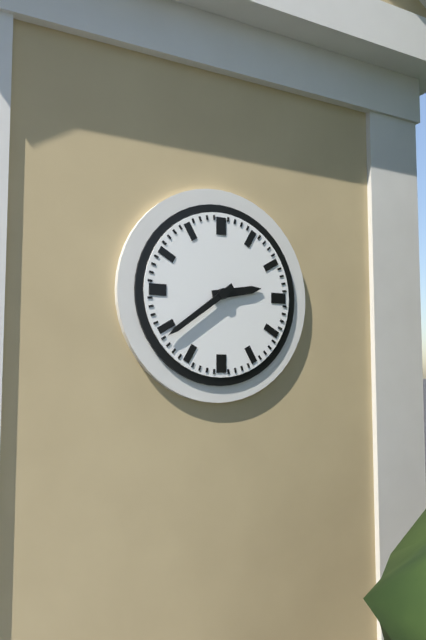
{"hour": 2, "minute": 39}
